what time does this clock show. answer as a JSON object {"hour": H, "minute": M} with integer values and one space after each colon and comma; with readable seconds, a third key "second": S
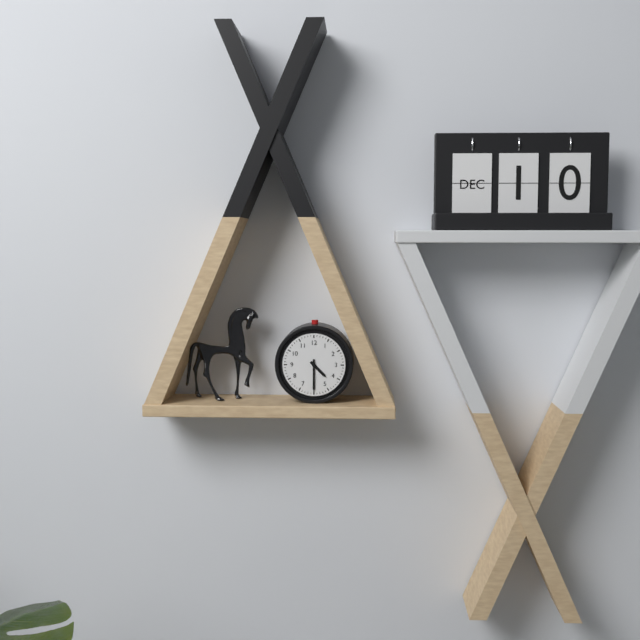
{"hour": 4, "minute": 30}
